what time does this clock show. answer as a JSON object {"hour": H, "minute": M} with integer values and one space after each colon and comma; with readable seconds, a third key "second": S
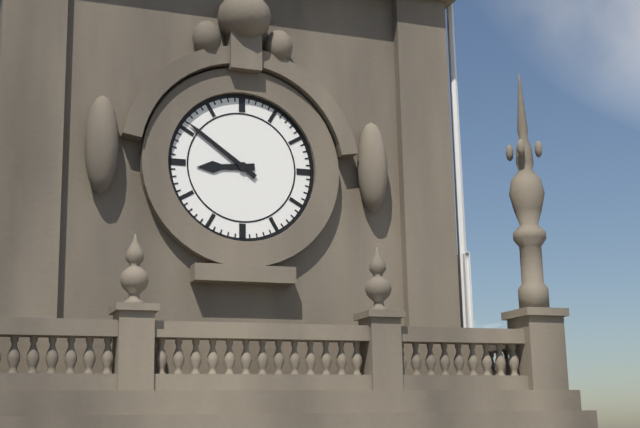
{"hour": 8, "minute": 51}
